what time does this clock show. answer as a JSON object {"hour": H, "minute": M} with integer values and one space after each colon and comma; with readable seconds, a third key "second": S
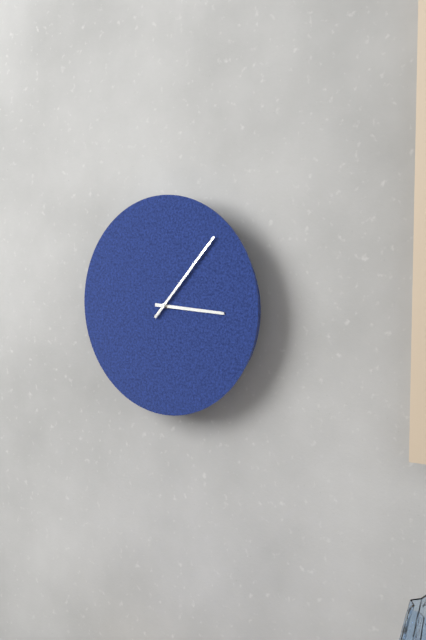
{"hour": 3, "minute": 7}
